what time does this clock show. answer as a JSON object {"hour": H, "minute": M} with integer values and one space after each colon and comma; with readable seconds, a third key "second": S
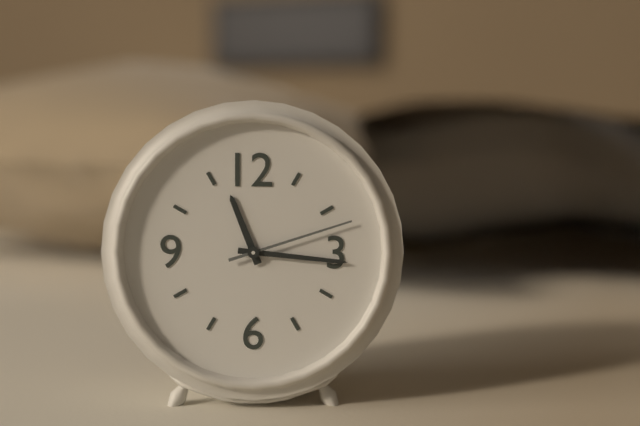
{"hour": 11, "minute": 16, "second": 12}
